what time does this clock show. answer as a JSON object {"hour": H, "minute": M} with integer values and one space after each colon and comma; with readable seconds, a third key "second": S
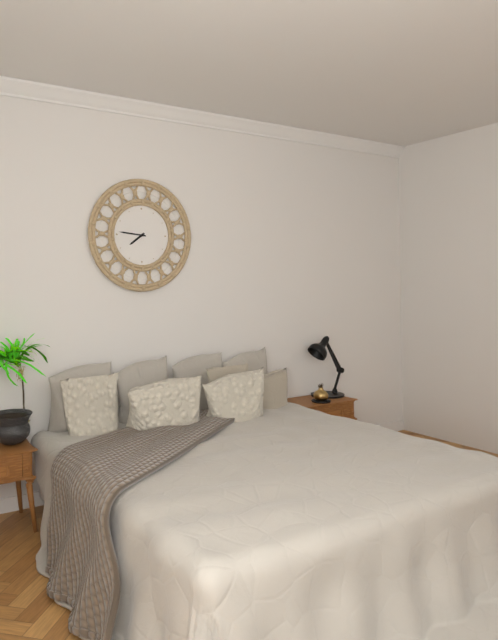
{"hour": 7, "minute": 46}
